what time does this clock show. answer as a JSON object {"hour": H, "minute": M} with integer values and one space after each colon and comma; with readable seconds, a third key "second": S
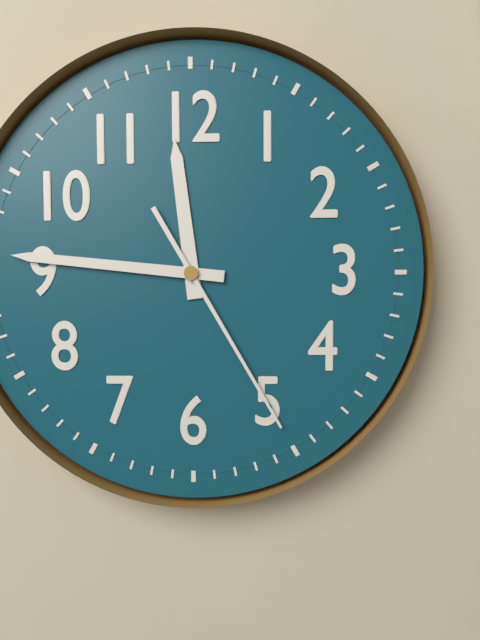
{"hour": 11, "minute": 46, "second": 25}
